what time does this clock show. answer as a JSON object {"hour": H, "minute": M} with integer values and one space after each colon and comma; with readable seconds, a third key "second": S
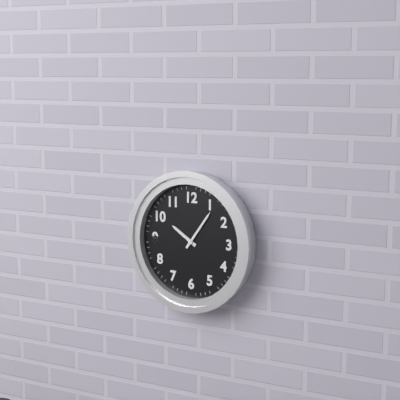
{"hour": 10, "minute": 6}
